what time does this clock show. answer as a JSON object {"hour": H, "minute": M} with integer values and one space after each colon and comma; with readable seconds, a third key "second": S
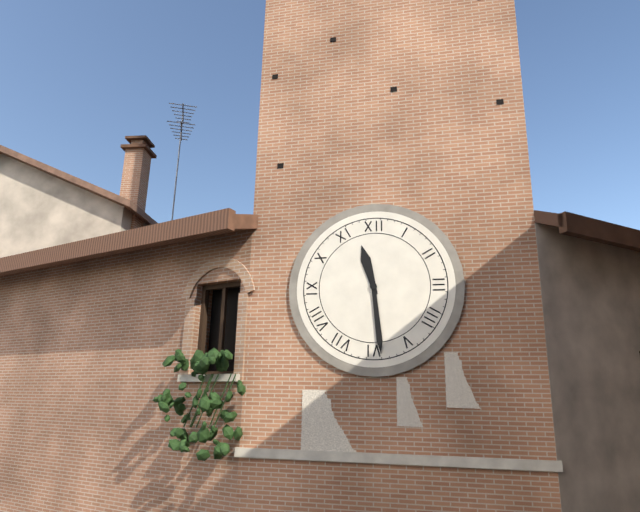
{"hour": 11, "minute": 29}
